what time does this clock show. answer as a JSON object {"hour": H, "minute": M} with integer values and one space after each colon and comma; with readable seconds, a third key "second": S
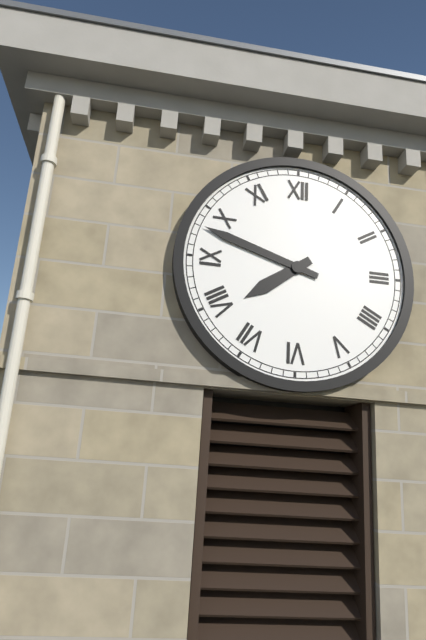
{"hour": 7, "minute": 48}
